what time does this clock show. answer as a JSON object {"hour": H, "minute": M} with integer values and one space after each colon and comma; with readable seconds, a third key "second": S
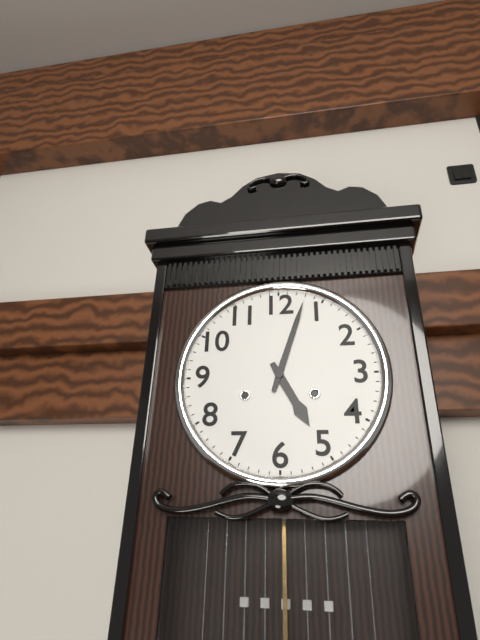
{"hour": 5, "minute": 3}
